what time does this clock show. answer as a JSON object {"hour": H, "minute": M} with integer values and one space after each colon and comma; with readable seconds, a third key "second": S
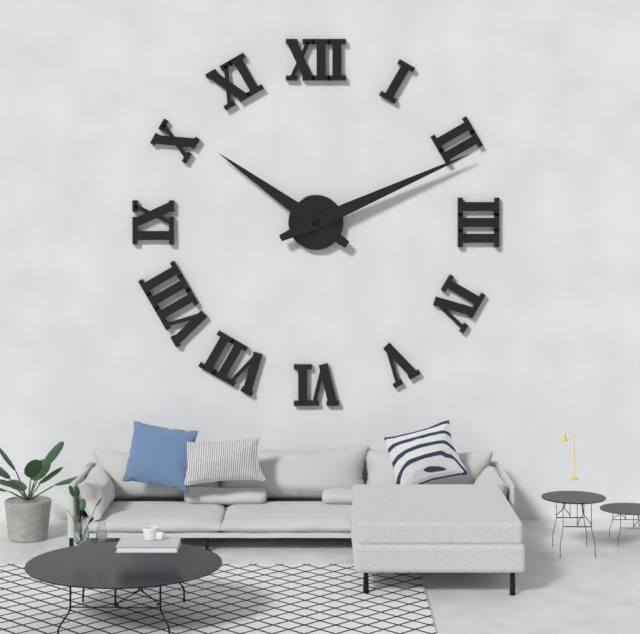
{"hour": 10, "minute": 11}
